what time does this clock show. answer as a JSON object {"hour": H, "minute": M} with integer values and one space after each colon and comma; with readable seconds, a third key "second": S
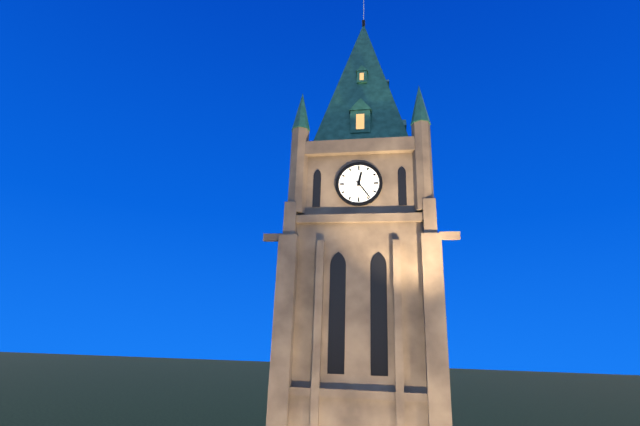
{"hour": 12, "minute": 24}
